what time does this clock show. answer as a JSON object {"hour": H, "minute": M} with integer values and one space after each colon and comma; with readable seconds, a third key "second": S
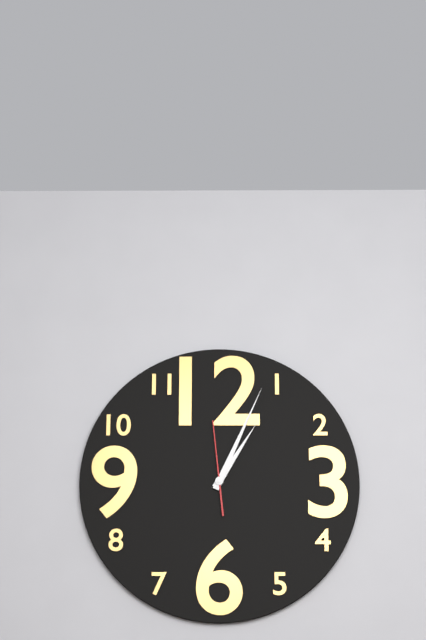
{"hour": 1, "minute": 4, "second": 59}
